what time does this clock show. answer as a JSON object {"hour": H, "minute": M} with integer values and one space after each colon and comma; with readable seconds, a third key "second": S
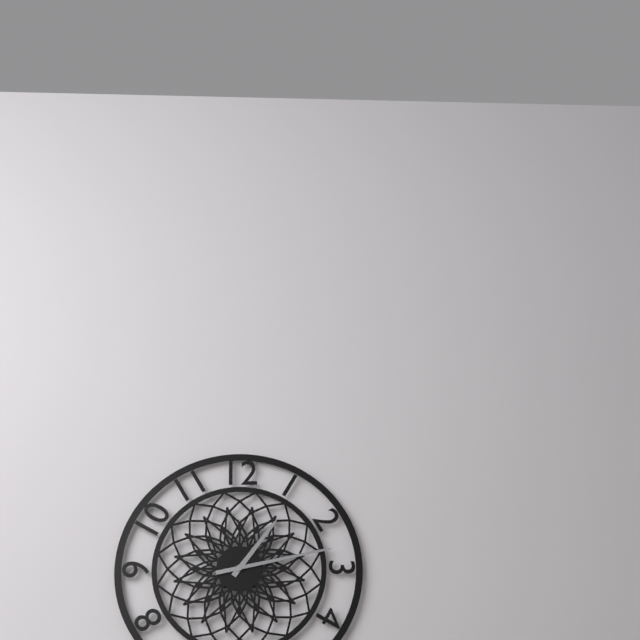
{"hour": 1, "minute": 13}
